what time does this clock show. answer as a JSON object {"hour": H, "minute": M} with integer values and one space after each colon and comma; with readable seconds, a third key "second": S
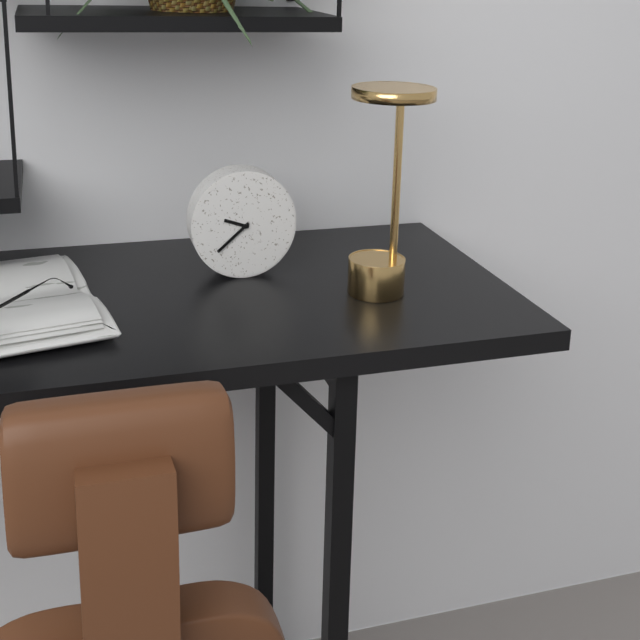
{"hour": 9, "minute": 38}
